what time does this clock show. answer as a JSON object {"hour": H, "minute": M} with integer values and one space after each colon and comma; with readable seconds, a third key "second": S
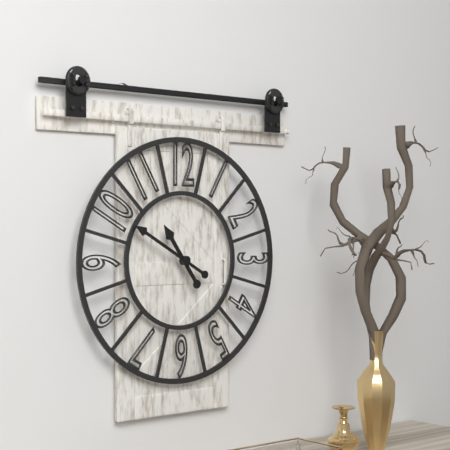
{"hour": 10, "minute": 50}
